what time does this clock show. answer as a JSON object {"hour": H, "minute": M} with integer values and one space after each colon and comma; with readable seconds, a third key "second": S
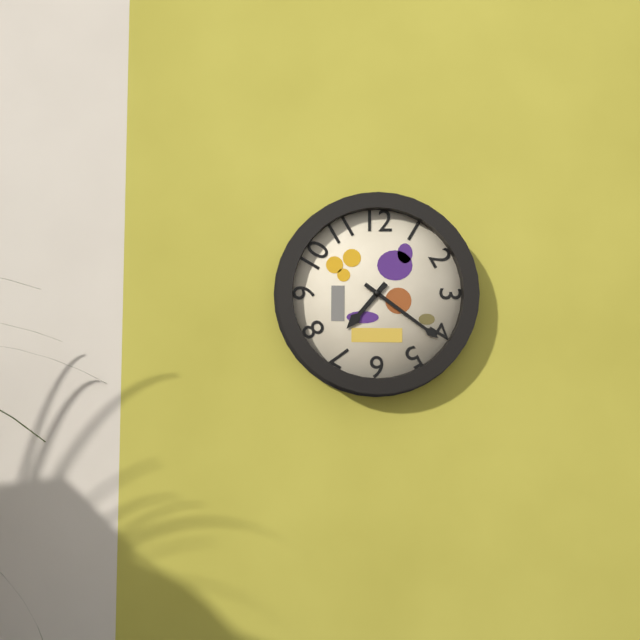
{"hour": 7, "minute": 21}
